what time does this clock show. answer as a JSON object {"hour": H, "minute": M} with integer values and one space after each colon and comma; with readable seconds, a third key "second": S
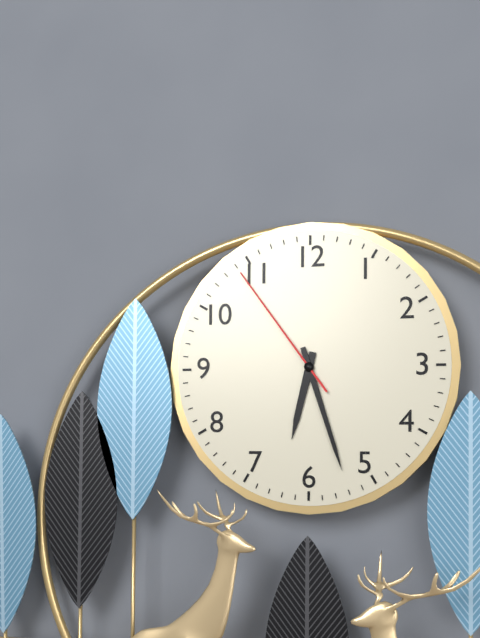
{"hour": 6, "minute": 27, "second": 54}
